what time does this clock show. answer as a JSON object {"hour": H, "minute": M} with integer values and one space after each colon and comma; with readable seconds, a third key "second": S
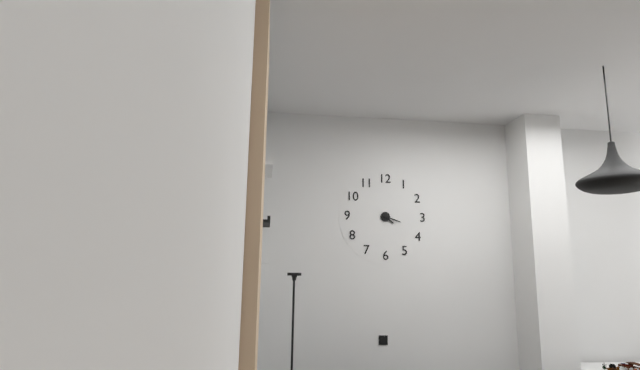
{"hour": 4, "minute": 18}
